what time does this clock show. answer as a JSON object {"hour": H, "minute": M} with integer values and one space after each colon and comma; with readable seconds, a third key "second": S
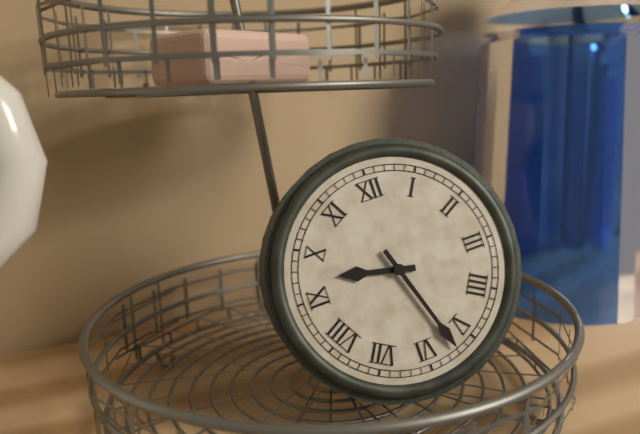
{"hour": 9, "minute": 27}
